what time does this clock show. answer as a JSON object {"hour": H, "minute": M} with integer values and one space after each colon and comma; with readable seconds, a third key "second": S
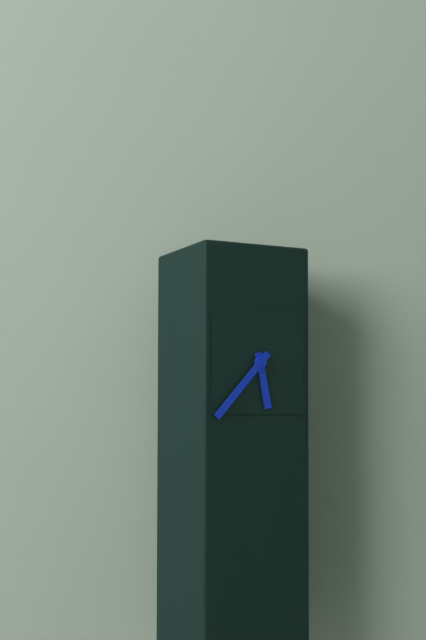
{"hour": 5, "minute": 37}
